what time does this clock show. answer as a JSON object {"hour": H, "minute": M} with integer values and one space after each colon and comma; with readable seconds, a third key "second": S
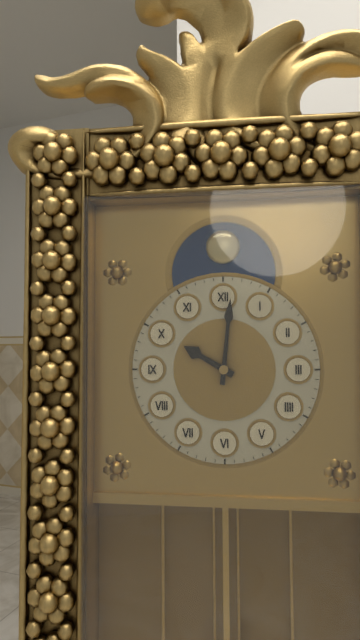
{"hour": 10, "minute": 1}
